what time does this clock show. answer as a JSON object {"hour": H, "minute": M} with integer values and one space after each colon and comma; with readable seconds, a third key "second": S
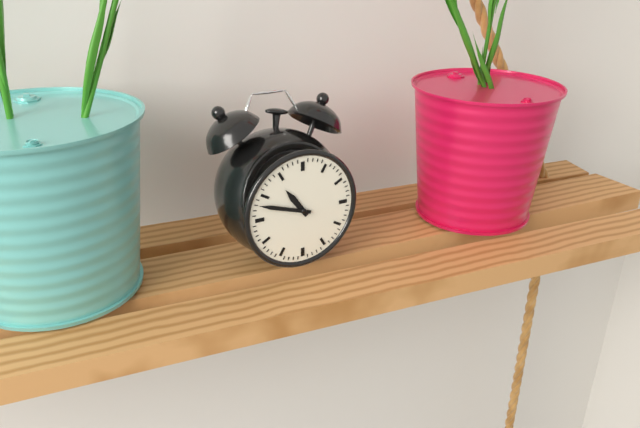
{"hour": 10, "minute": 48}
